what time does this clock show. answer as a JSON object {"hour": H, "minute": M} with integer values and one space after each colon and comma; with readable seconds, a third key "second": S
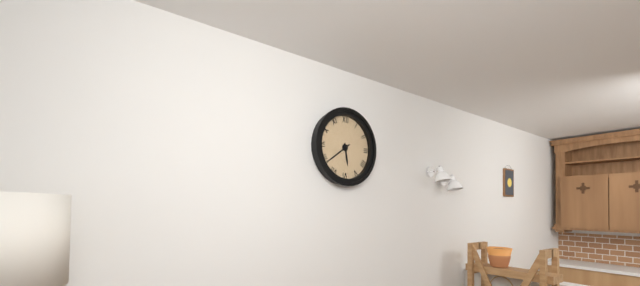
{"hour": 5, "minute": 39}
